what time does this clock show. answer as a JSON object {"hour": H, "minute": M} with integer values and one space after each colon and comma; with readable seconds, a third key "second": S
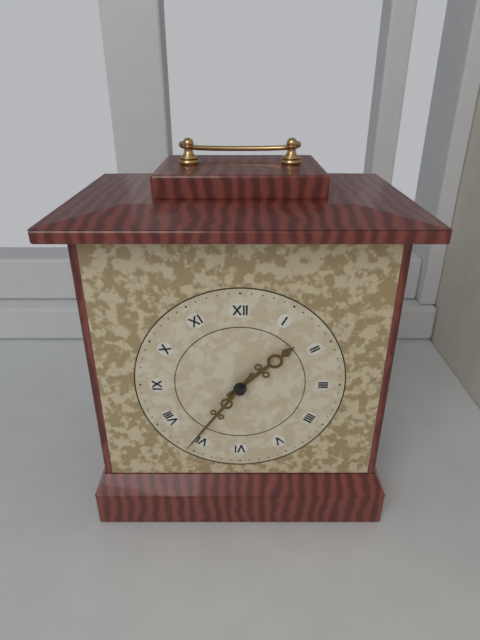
{"hour": 1, "minute": 36}
